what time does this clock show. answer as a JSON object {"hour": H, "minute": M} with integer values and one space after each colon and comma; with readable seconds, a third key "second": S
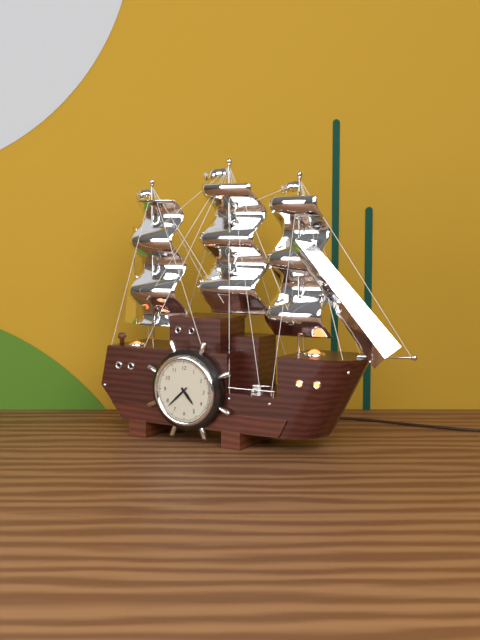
{"hour": 4, "minute": 38}
